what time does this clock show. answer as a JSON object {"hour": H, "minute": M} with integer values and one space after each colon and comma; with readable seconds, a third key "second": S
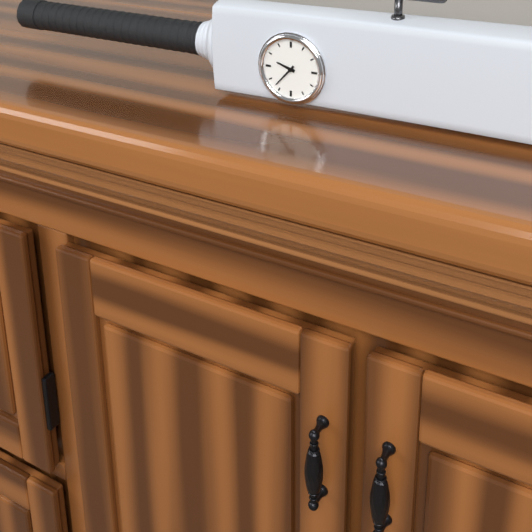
{"hour": 9, "minute": 37}
